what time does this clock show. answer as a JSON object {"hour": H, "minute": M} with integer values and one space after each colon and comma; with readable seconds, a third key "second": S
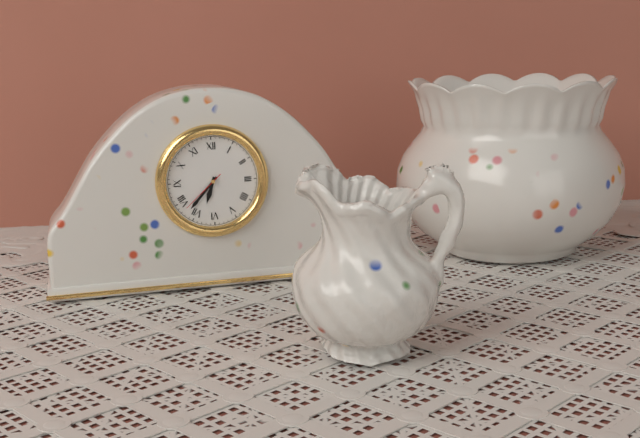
{"hour": 6, "minute": 37}
